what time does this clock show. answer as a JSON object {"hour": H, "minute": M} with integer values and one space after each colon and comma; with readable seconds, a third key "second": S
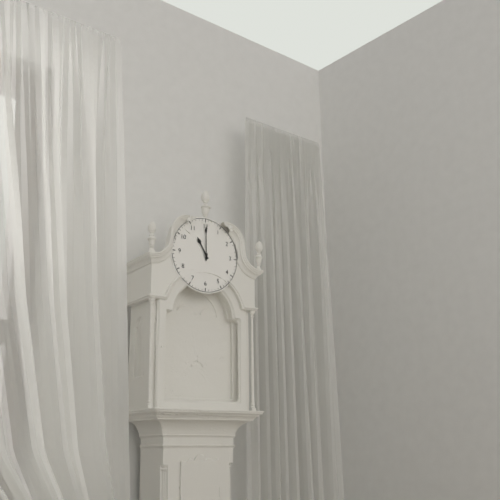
{"hour": 11, "minute": 0}
